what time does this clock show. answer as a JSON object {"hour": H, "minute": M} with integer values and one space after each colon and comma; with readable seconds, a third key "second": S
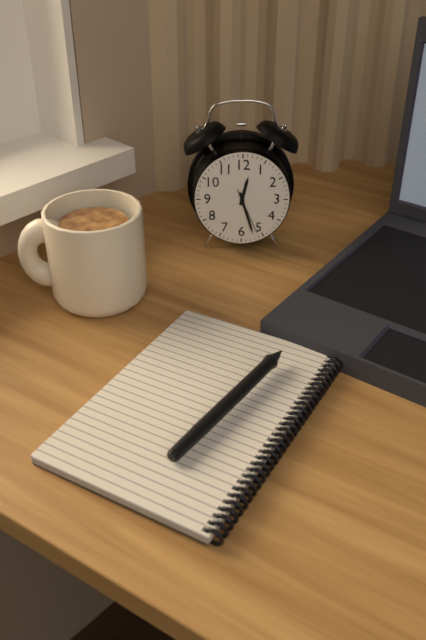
{"hour": 12, "minute": 27}
